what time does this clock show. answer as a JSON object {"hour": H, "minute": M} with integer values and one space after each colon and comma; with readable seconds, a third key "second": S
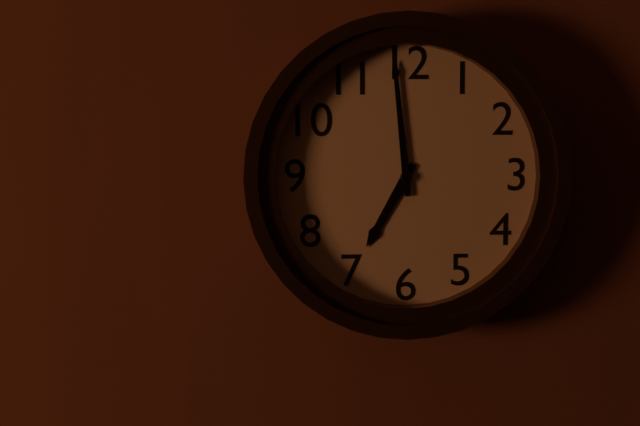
{"hour": 6, "minute": 59}
